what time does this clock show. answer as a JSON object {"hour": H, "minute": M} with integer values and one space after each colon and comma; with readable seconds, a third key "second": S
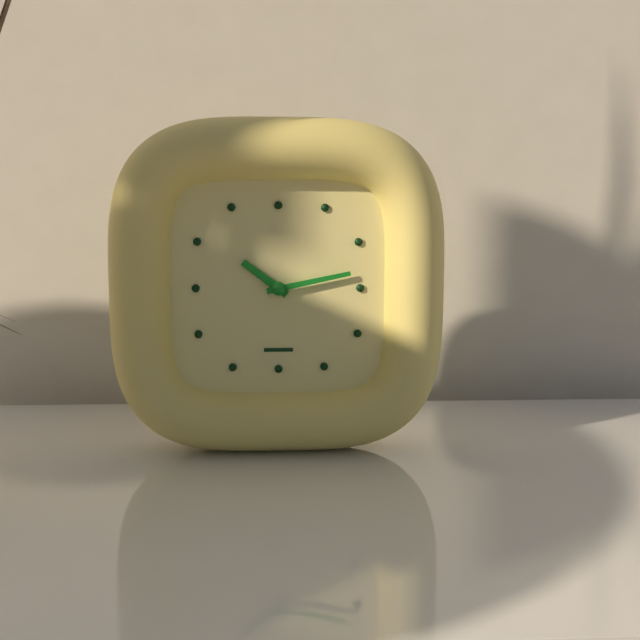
{"hour": 10, "minute": 13}
